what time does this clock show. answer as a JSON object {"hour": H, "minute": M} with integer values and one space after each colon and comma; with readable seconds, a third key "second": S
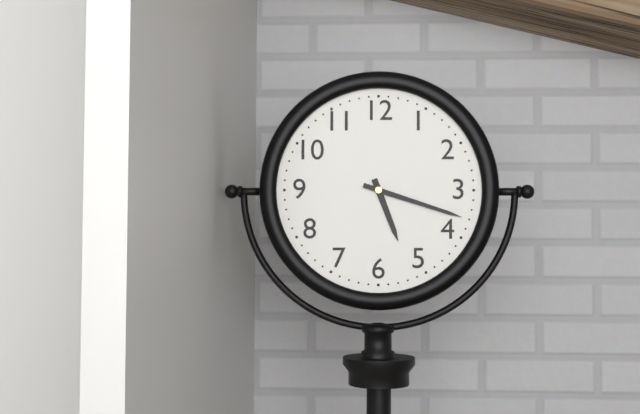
{"hour": 5, "minute": 18}
